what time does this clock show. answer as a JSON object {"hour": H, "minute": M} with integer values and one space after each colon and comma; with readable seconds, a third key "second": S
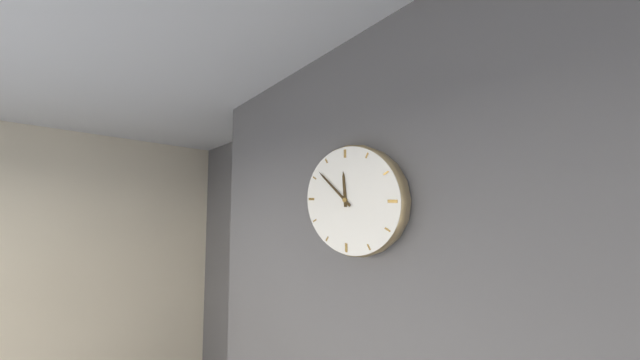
{"hour": 11, "minute": 52}
